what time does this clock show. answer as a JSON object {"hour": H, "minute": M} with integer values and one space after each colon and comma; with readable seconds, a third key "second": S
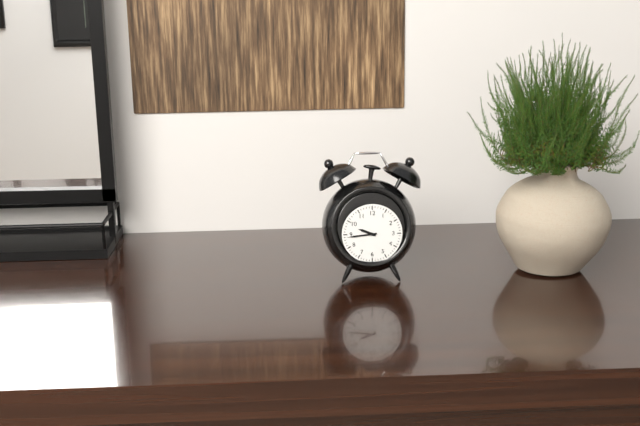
{"hour": 9, "minute": 44}
